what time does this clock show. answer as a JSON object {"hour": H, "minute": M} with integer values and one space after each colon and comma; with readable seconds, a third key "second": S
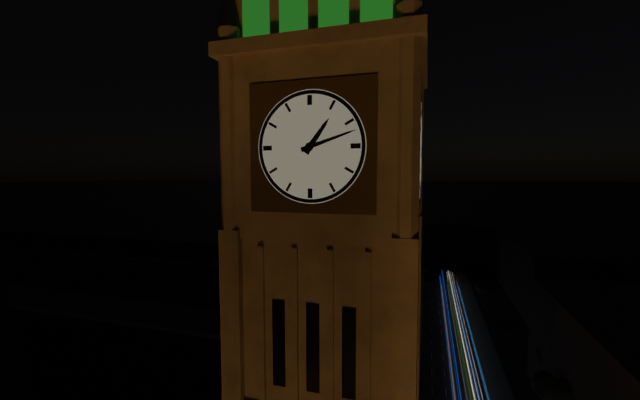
{"hour": 1, "minute": 12}
